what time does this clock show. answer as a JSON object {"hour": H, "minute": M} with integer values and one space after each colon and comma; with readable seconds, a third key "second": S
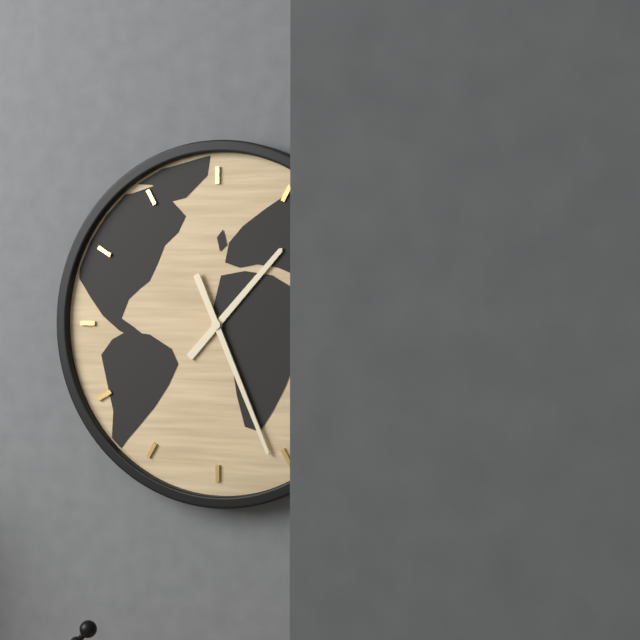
{"hour": 1, "minute": 26}
